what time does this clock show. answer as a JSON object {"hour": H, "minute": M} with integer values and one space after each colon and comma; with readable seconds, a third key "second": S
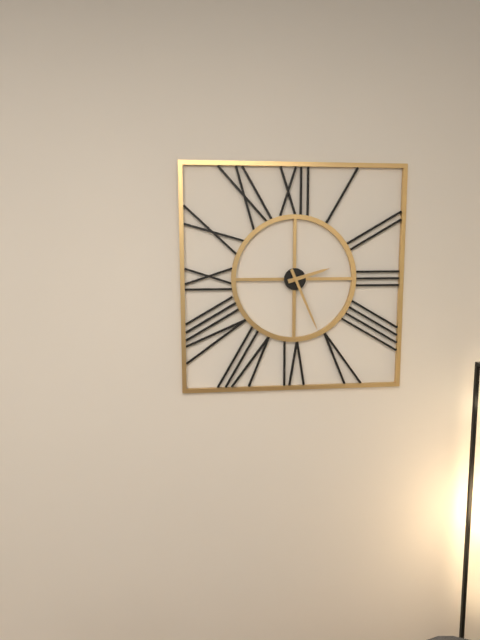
{"hour": 2, "minute": 26}
